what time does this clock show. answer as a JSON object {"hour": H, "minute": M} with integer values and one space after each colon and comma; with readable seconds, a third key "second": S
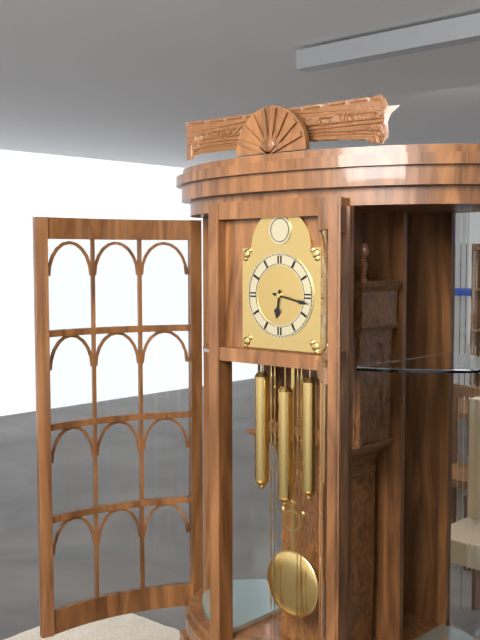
{"hour": 6, "minute": 17}
